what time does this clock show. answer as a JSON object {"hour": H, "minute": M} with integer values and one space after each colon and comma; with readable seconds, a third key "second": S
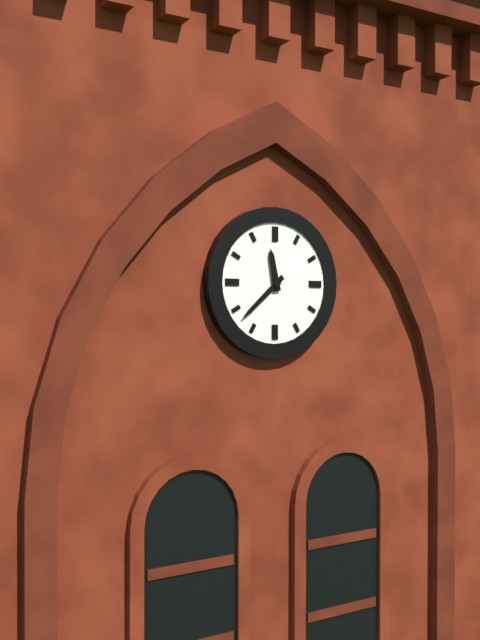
{"hour": 11, "minute": 38}
